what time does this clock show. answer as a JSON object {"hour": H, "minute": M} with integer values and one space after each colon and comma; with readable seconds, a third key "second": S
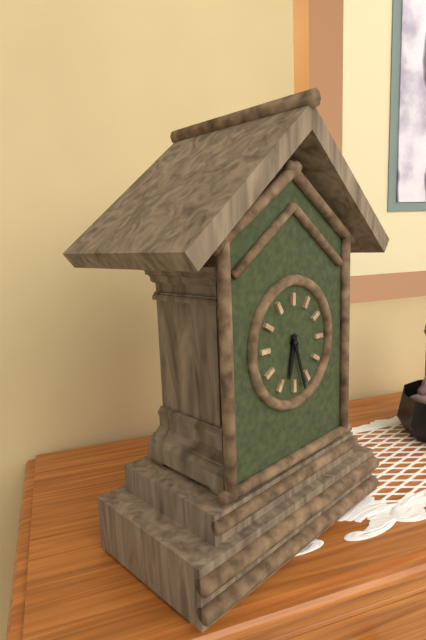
{"hour": 6, "minute": 27}
